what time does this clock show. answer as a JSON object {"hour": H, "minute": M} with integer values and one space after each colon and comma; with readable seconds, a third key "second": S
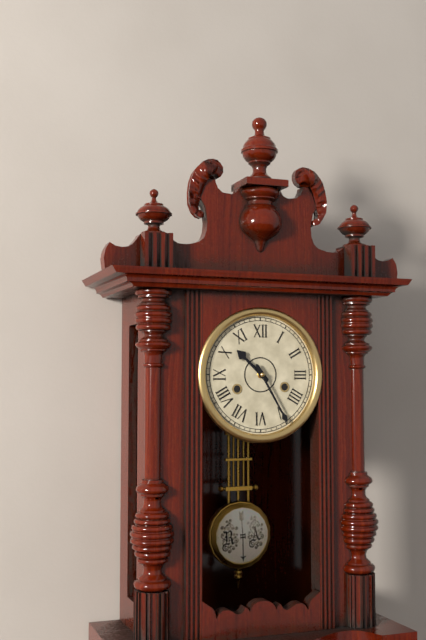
{"hour": 10, "minute": 25}
